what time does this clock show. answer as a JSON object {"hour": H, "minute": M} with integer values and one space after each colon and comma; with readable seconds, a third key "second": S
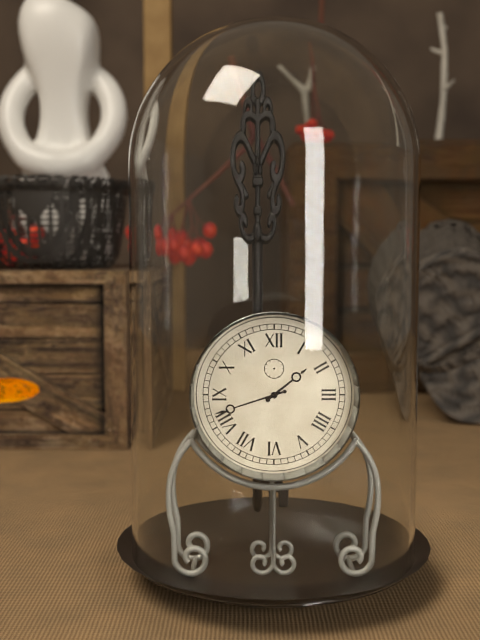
{"hour": 1, "minute": 42}
